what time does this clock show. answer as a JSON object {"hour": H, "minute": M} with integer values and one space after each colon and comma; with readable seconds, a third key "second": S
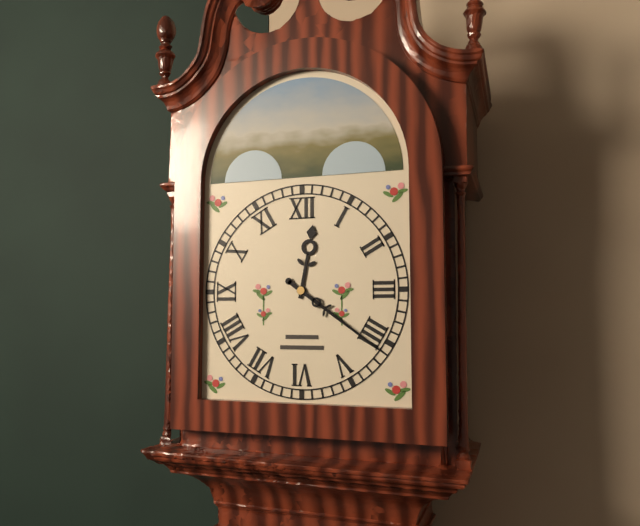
{"hour": 12, "minute": 21}
